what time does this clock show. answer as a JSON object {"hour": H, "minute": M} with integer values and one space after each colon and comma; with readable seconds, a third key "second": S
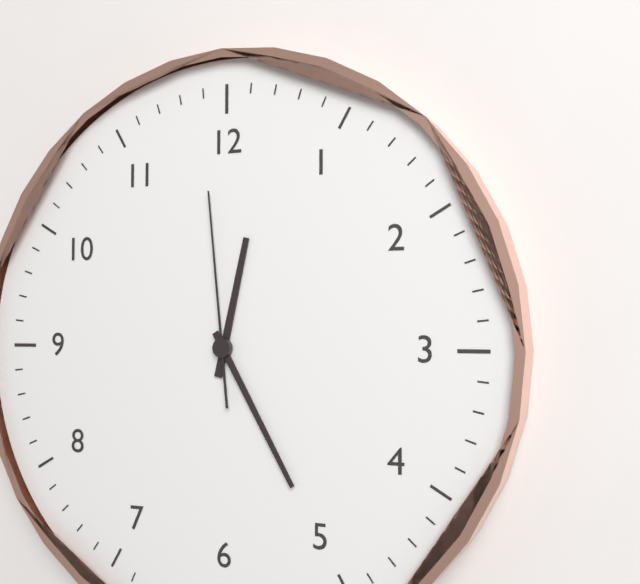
{"hour": 12, "minute": 25, "second": 59}
